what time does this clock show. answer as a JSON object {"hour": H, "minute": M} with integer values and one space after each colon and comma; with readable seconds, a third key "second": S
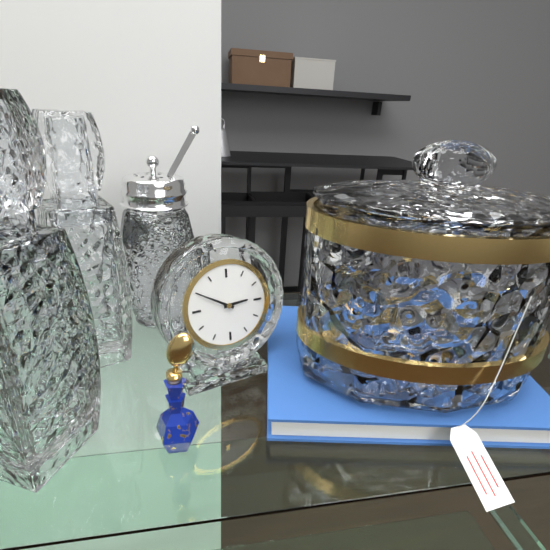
{"hour": 2, "minute": 50}
